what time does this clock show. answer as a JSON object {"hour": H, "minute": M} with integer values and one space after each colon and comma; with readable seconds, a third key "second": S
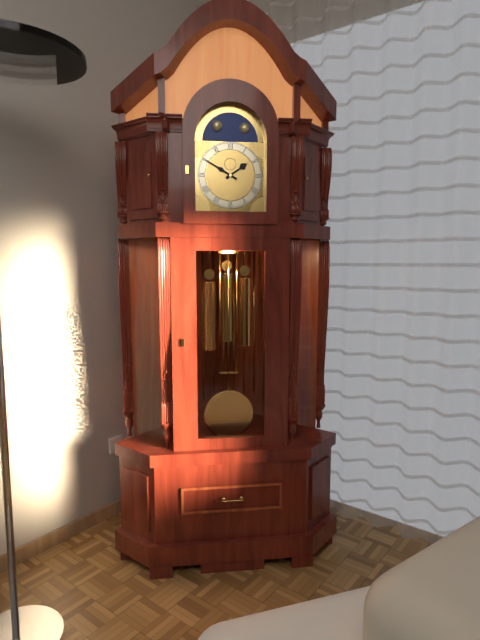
{"hour": 1, "minute": 50}
